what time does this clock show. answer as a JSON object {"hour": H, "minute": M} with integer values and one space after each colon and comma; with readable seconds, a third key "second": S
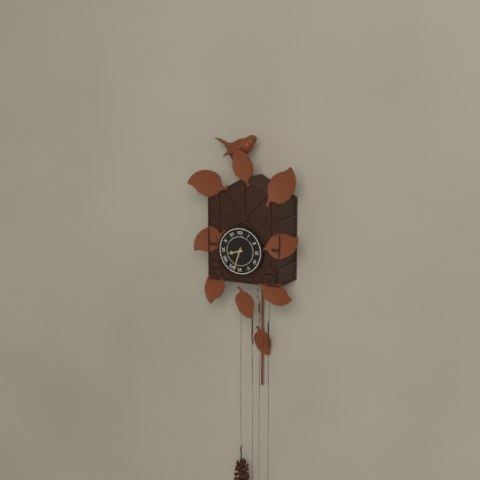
{"hour": 8, "minute": 33}
